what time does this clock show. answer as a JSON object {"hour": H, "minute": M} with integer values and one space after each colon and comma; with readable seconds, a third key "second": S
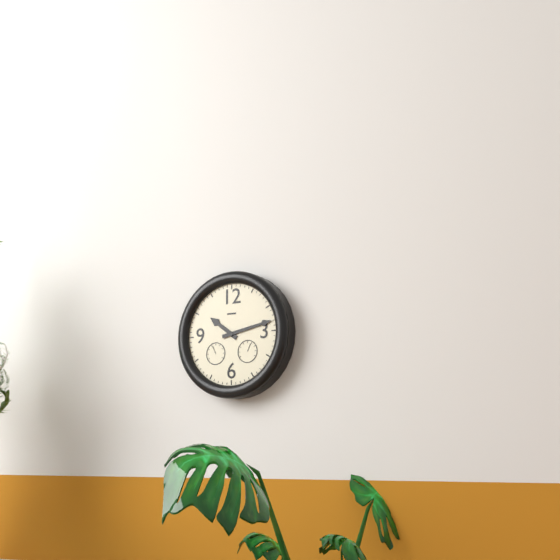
{"hour": 10, "minute": 13}
